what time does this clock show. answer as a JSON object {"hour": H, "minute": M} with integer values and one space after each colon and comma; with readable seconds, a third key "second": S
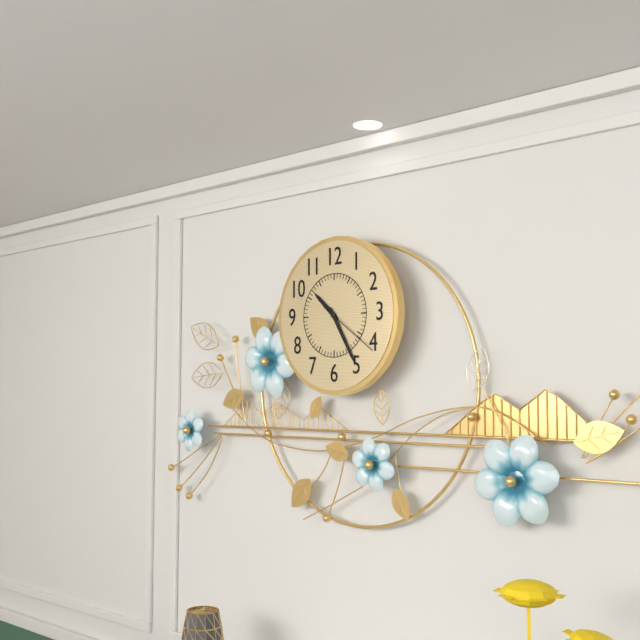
{"hour": 10, "minute": 25, "second": 21}
